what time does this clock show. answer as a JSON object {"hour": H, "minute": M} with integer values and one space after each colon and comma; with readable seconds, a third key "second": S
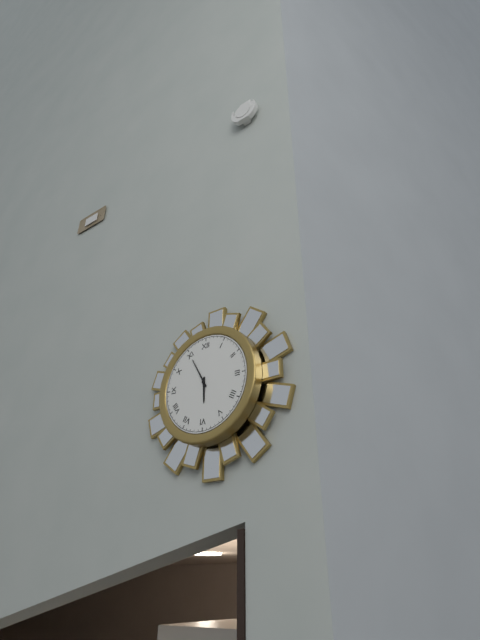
{"hour": 5, "minute": 55}
